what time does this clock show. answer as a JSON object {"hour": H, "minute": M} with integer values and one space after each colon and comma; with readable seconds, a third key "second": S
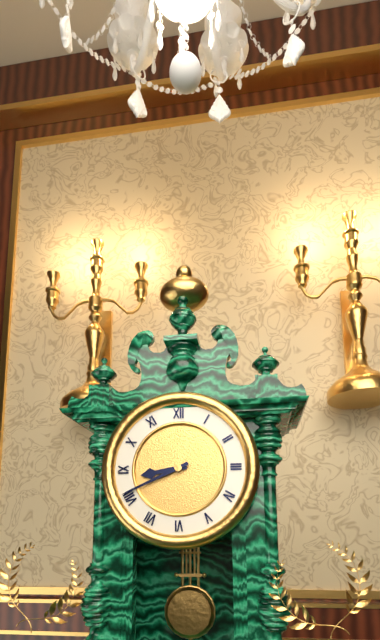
{"hour": 8, "minute": 41}
